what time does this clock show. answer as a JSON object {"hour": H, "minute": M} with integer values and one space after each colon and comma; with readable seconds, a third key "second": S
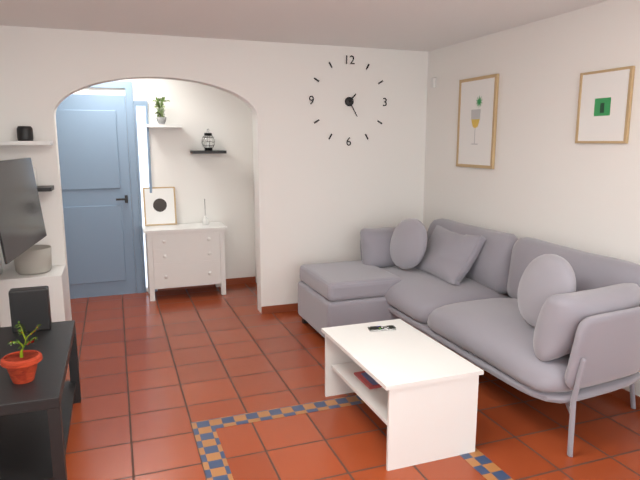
{"hour": 1, "minute": 25}
